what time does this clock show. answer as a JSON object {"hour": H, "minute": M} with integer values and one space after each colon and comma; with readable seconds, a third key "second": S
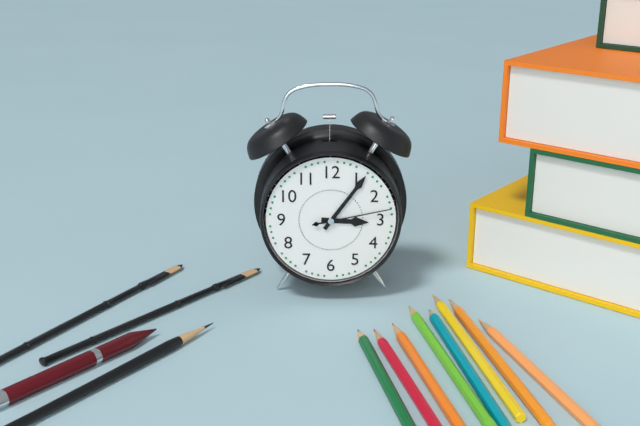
{"hour": 3, "minute": 6, "second": 13}
